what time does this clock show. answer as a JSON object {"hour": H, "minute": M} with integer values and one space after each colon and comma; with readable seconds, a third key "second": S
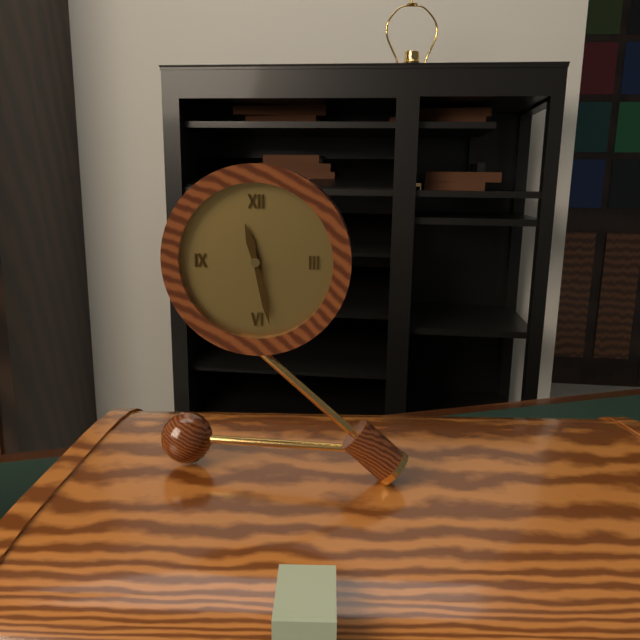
{"hour": 11, "minute": 28}
